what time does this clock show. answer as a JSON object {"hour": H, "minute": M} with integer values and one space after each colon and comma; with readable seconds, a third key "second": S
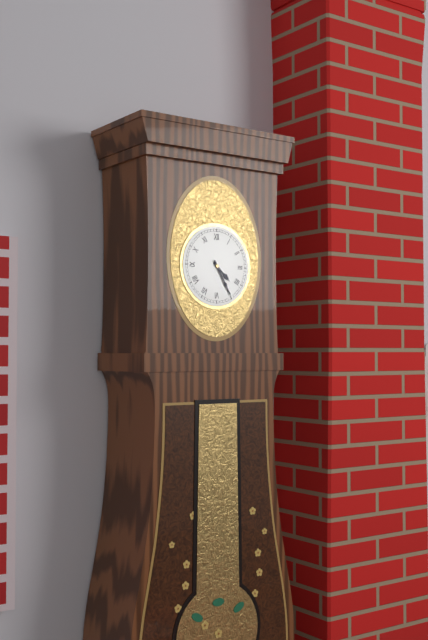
{"hour": 4, "minute": 25}
